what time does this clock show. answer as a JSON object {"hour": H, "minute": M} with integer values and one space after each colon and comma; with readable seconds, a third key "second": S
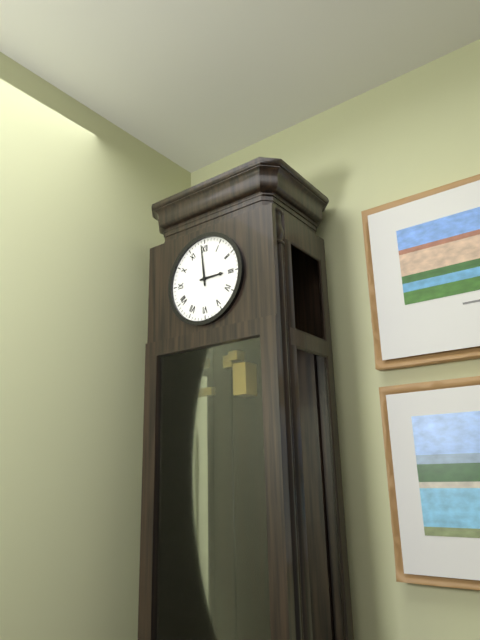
{"hour": 2, "minute": 59}
